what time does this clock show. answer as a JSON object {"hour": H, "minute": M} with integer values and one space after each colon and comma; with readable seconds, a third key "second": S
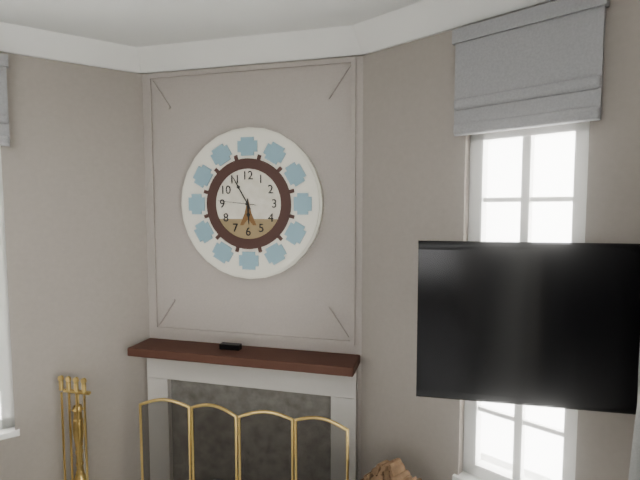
{"hour": 5, "minute": 55}
